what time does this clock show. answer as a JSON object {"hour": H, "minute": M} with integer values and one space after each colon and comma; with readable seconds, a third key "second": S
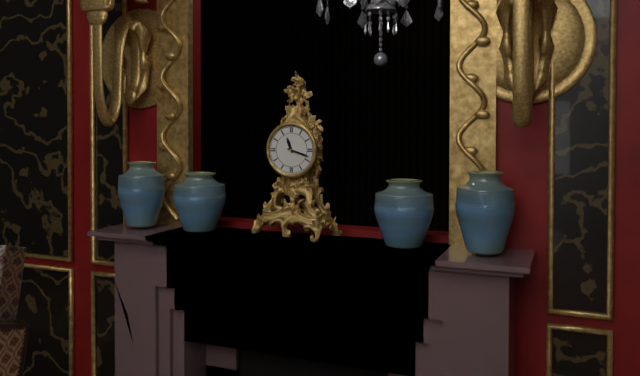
{"hour": 11, "minute": 18}
